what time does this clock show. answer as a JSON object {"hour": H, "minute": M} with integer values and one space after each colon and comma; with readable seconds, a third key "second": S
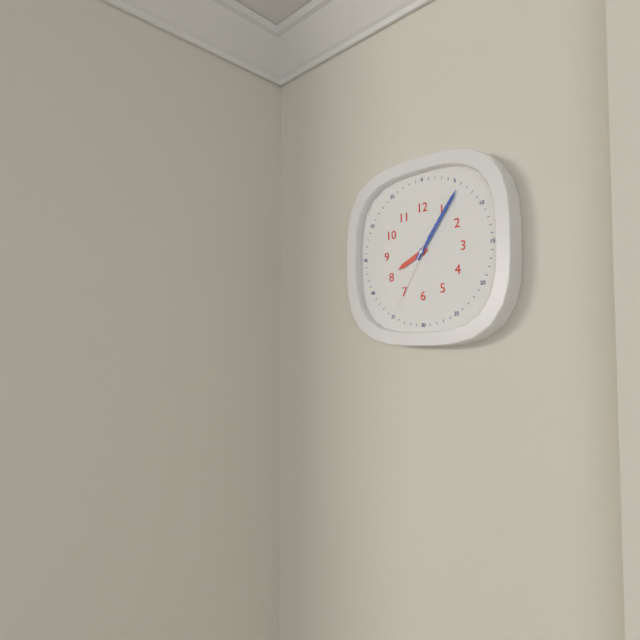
{"hour": 8, "minute": 6, "second": 35}
